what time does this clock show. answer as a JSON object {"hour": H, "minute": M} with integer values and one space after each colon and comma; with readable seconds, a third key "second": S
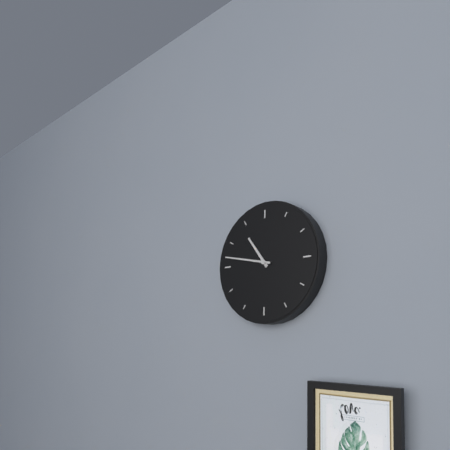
{"hour": 10, "minute": 47}
